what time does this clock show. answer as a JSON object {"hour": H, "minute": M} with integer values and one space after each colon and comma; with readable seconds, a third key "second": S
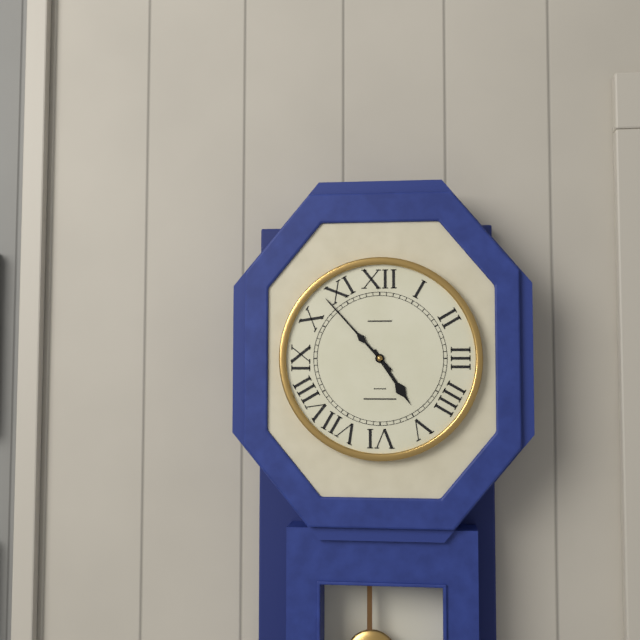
{"hour": 4, "minute": 53}
